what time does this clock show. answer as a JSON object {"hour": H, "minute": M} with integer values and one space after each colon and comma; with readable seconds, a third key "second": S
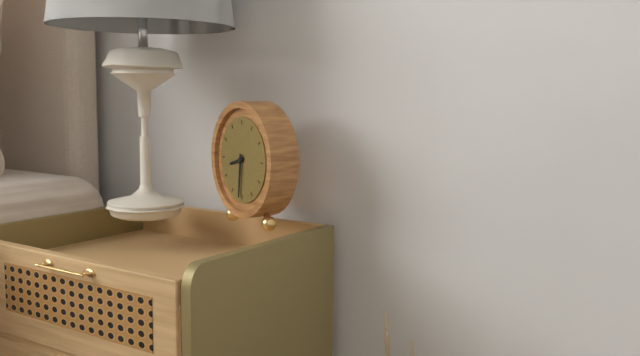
{"hour": 8, "minute": 31}
